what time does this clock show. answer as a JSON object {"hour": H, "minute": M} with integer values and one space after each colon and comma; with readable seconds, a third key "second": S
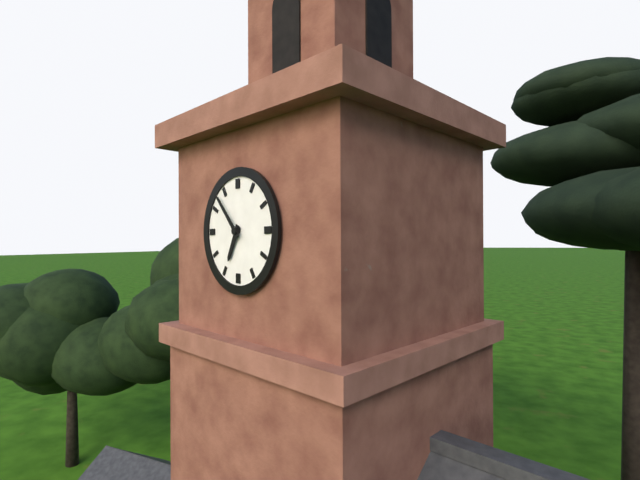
{"hour": 6, "minute": 53}
